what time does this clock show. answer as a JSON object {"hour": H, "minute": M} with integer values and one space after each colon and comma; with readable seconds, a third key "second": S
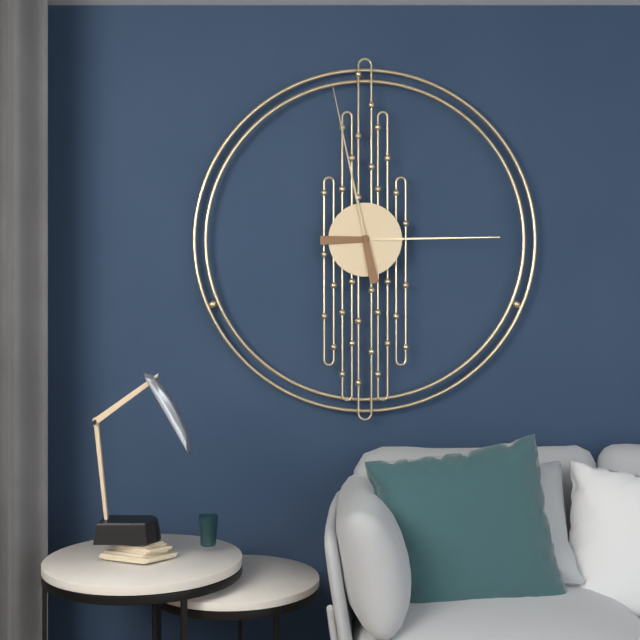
{"hour": 2, "minute": 58}
